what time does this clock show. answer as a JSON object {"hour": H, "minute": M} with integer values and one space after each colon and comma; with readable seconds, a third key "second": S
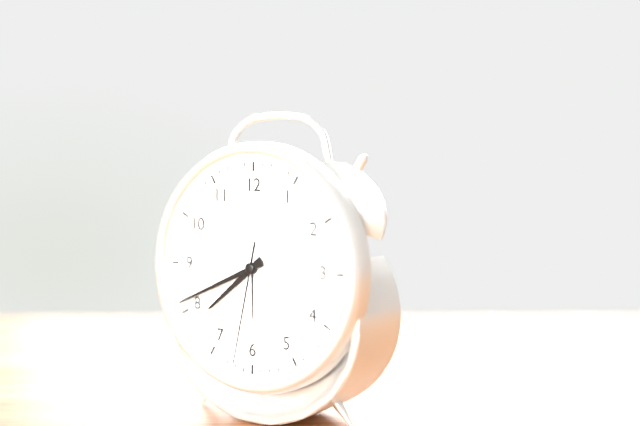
{"hour": 7, "minute": 41, "second": 32}
